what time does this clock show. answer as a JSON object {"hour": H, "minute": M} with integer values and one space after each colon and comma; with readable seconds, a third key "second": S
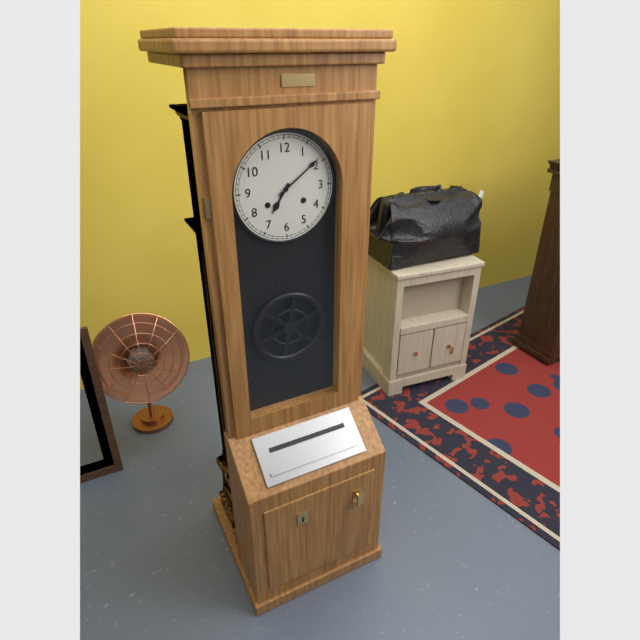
{"hour": 7, "minute": 9}
